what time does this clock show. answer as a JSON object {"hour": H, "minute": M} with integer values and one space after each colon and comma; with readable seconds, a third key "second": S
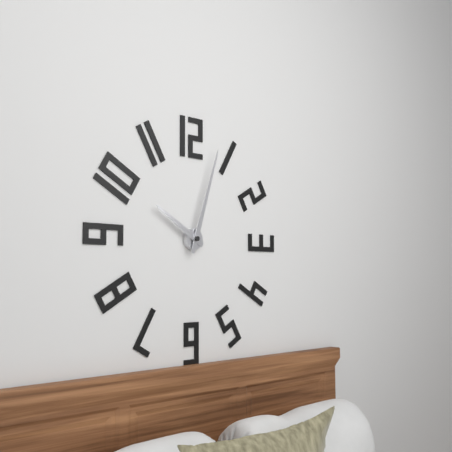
{"hour": 10, "minute": 3}
